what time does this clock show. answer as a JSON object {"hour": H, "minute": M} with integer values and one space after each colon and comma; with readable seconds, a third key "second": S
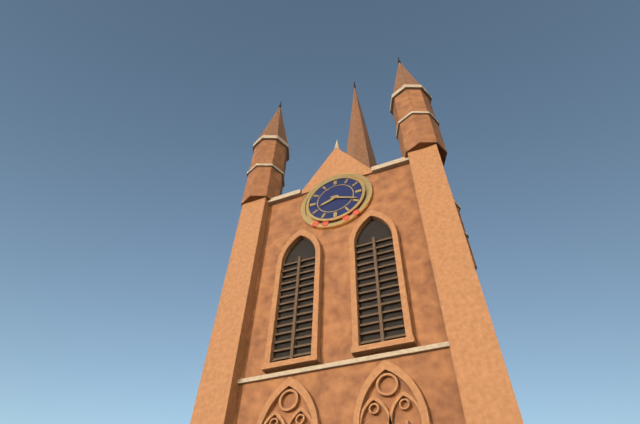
{"hour": 8, "minute": 19}
